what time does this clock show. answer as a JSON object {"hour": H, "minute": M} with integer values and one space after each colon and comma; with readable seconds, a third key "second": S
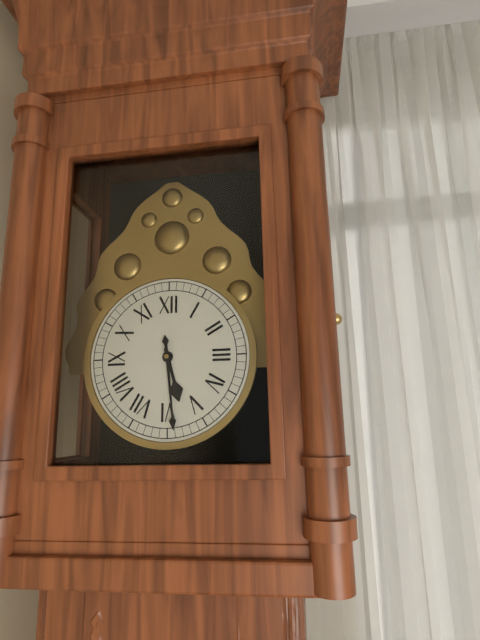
{"hour": 5, "minute": 29}
